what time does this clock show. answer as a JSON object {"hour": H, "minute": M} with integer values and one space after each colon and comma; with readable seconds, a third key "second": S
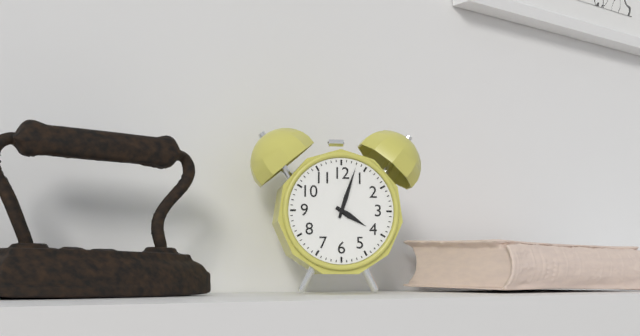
{"hour": 4, "minute": 3}
